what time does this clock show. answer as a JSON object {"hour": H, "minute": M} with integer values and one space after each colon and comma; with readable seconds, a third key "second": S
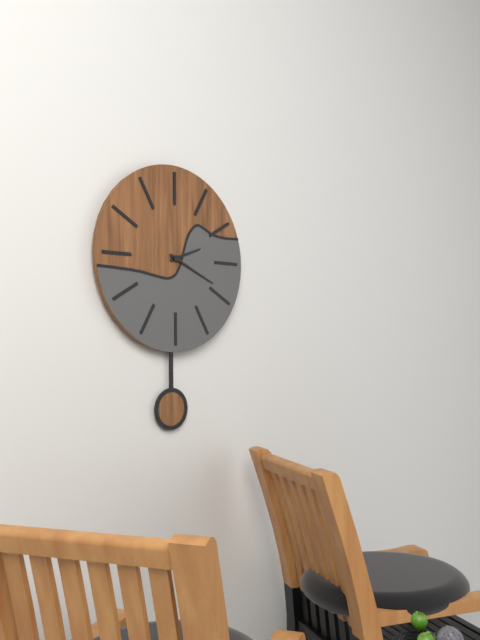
{"hour": 2, "minute": 19}
